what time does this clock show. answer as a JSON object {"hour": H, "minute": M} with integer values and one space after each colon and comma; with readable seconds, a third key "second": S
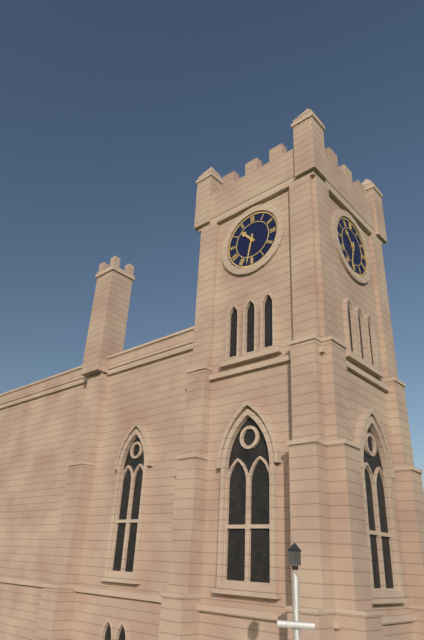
{"hour": 10, "minute": 32}
